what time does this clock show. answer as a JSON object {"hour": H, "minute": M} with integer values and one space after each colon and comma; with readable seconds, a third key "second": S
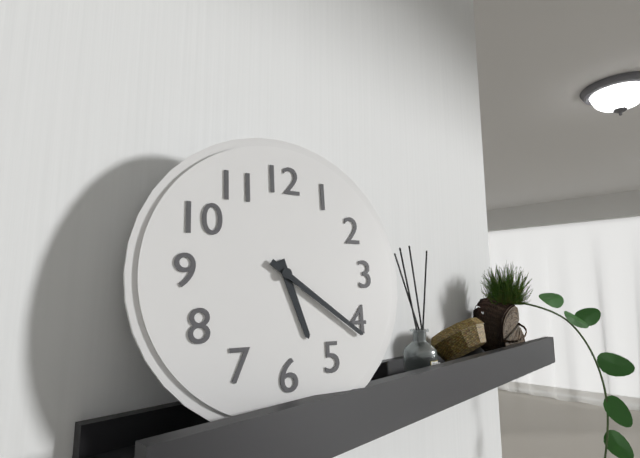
{"hour": 5, "minute": 21}
